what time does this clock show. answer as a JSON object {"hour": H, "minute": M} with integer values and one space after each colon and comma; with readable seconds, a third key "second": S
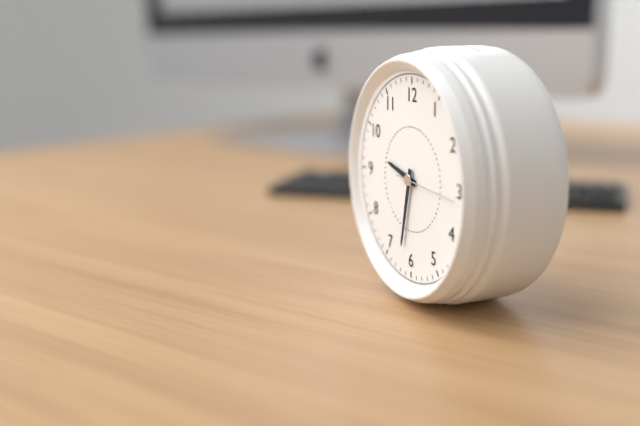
{"hour": 9, "minute": 32, "second": 16}
